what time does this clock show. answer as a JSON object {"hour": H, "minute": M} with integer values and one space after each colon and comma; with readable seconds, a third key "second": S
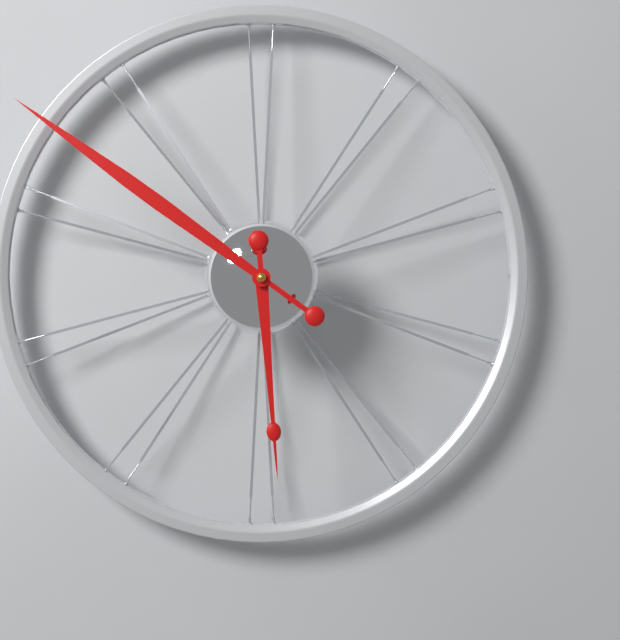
{"hour": 5, "minute": 51}
